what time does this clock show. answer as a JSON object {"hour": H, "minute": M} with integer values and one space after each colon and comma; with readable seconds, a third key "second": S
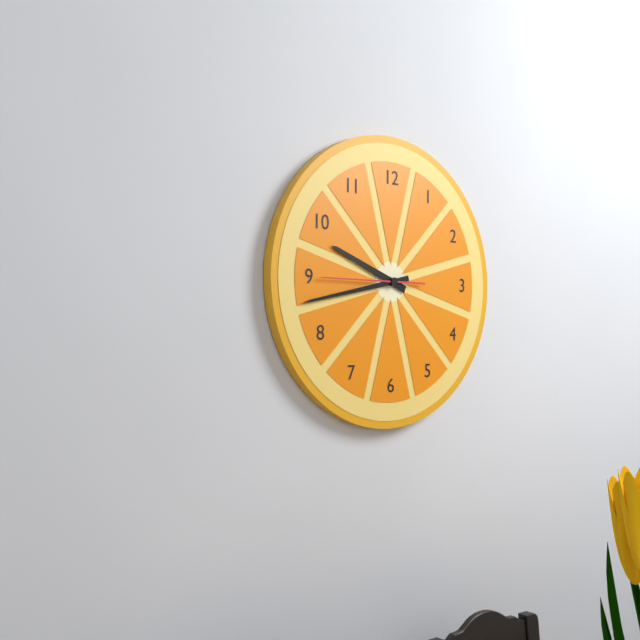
{"hour": 9, "minute": 43, "second": 45}
